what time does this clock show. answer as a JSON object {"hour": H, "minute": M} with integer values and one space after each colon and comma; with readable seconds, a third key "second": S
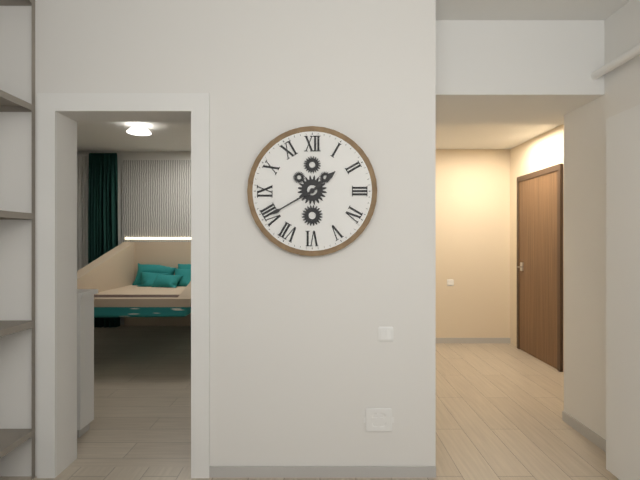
{"hour": 1, "minute": 40}
